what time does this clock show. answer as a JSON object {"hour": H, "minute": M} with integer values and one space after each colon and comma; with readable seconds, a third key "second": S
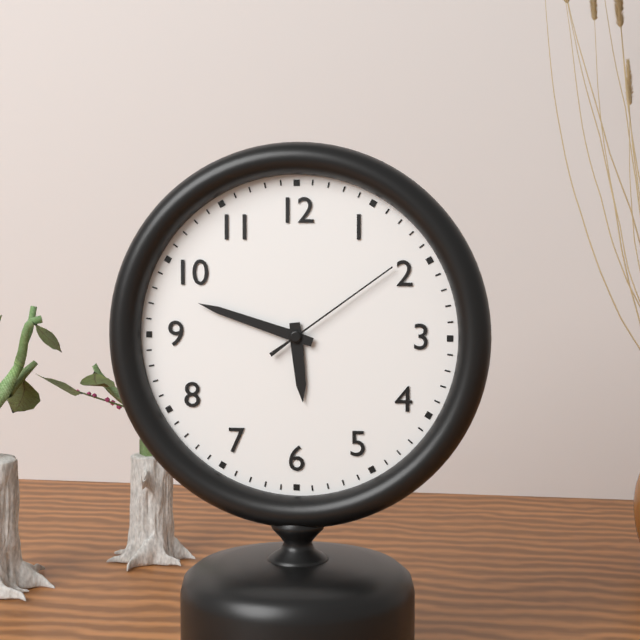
{"hour": 5, "minute": 48, "second": 9}
